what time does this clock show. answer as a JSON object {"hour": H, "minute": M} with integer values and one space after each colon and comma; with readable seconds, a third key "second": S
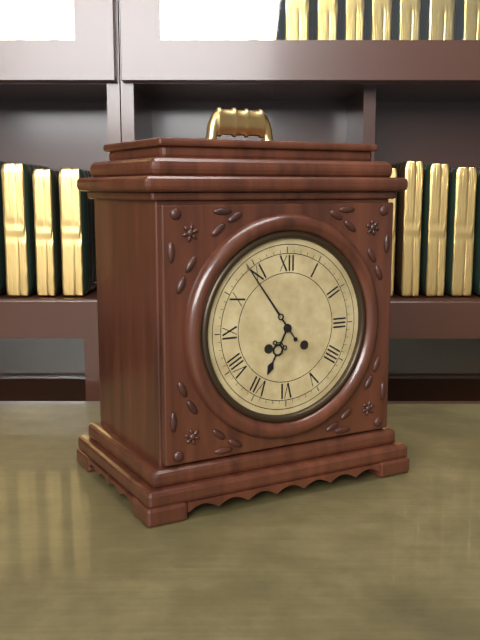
{"hour": 6, "minute": 54}
